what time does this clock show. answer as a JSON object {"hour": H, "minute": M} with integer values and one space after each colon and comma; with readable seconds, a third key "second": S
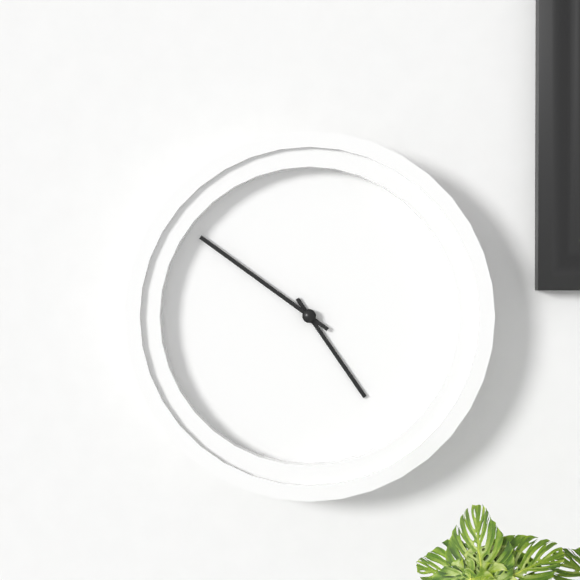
{"hour": 4, "minute": 51}
